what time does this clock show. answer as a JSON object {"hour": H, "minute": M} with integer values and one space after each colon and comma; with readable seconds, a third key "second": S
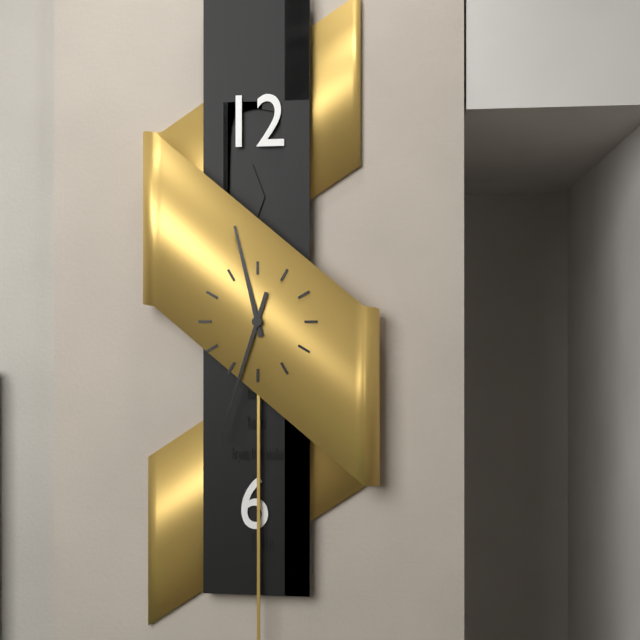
{"hour": 11, "minute": 33}
